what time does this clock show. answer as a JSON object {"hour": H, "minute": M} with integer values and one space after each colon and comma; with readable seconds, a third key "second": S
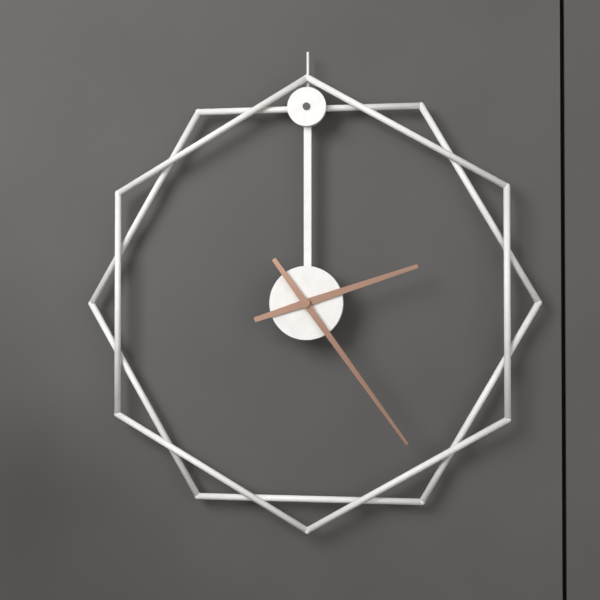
{"hour": 2, "minute": 24}
